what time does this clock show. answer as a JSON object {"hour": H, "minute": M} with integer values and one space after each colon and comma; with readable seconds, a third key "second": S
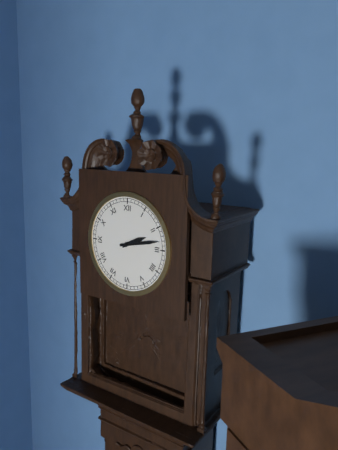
{"hour": 2, "minute": 13}
